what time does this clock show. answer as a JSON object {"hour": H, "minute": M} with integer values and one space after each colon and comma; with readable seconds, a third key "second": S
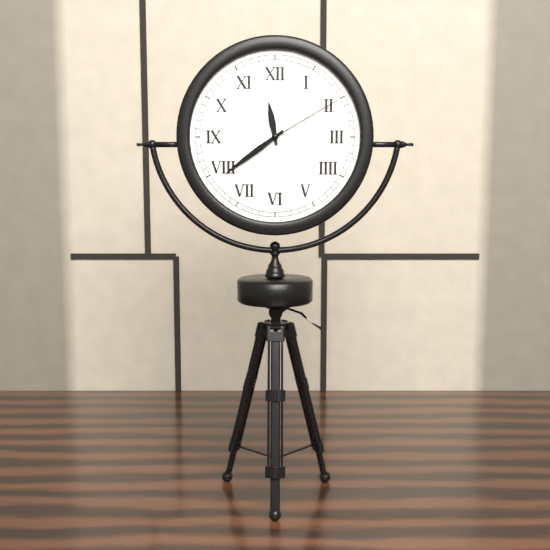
{"hour": 11, "minute": 39, "second": 10}
